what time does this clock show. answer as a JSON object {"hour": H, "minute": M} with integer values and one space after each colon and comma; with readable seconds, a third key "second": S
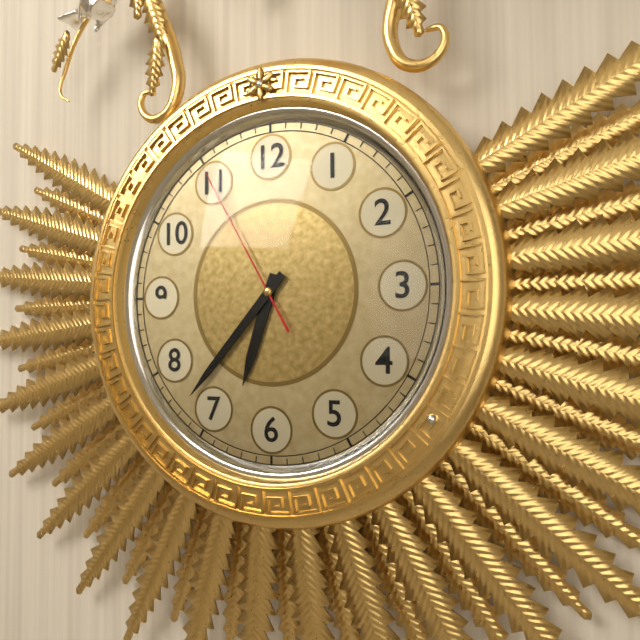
{"hour": 6, "minute": 37, "second": 55}
